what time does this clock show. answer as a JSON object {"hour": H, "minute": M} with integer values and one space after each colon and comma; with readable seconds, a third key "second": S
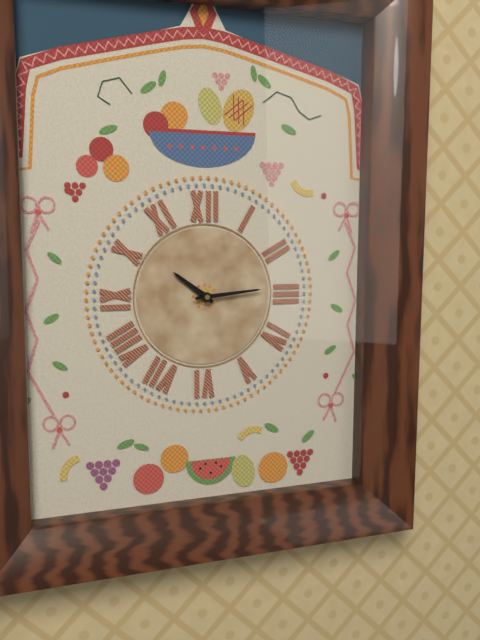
{"hour": 10, "minute": 14}
